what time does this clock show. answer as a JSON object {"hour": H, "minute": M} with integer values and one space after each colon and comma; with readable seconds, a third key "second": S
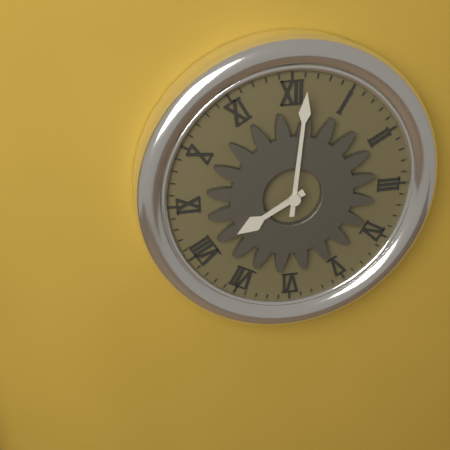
{"hour": 8, "minute": 1}
